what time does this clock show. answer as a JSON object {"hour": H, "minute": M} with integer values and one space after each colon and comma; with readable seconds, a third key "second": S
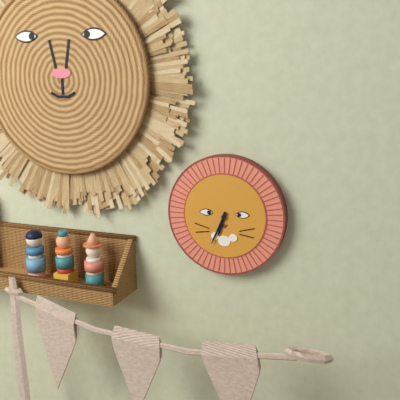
{"hour": 6, "minute": 34}
